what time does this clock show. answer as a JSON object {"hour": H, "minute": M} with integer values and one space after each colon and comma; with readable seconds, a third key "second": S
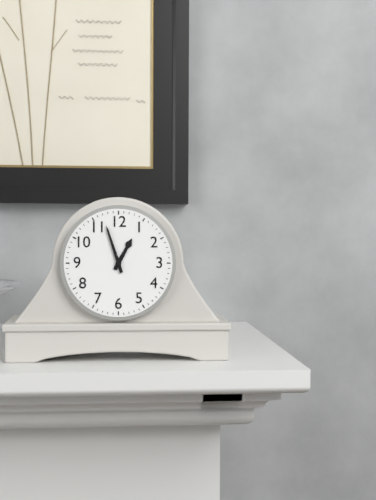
{"hour": 12, "minute": 57}
